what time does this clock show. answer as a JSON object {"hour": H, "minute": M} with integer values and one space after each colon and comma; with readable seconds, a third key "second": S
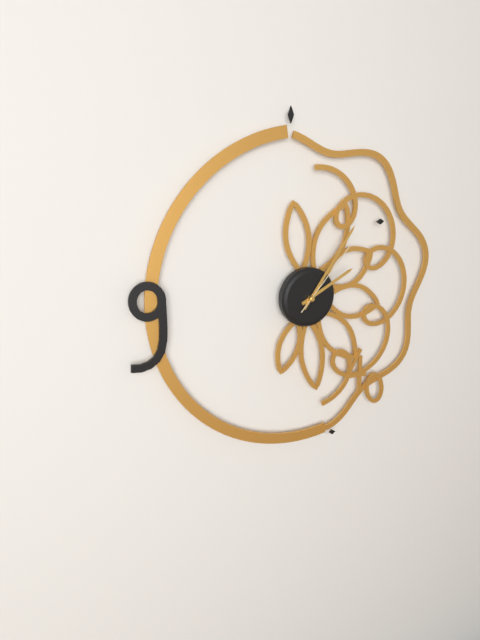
{"hour": 2, "minute": 6, "second": 7}
